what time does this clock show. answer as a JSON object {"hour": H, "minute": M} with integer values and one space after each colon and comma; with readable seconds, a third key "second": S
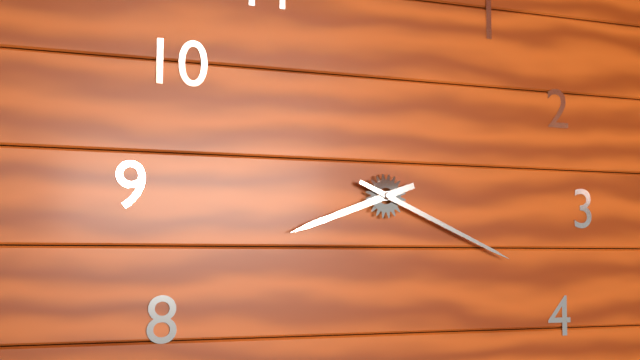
{"hour": 8, "minute": 19}
